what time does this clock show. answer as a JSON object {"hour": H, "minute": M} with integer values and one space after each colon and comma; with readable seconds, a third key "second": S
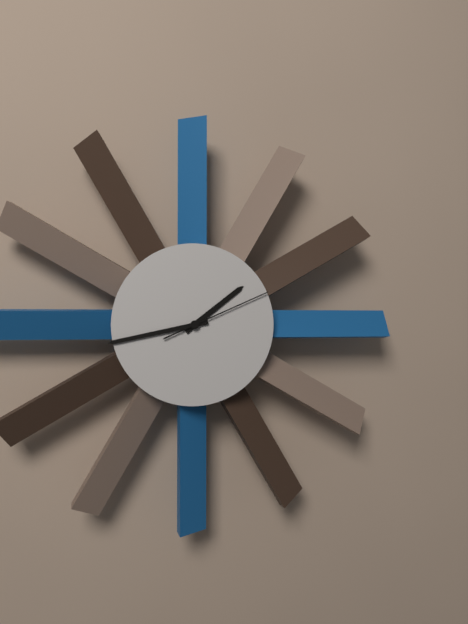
{"hour": 1, "minute": 43, "second": 11}
